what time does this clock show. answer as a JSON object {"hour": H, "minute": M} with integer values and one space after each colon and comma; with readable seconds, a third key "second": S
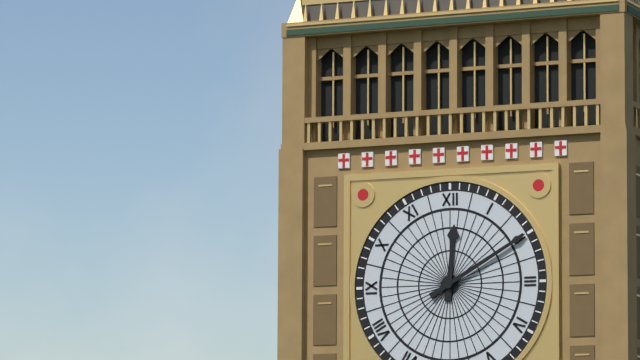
{"hour": 12, "minute": 10}
